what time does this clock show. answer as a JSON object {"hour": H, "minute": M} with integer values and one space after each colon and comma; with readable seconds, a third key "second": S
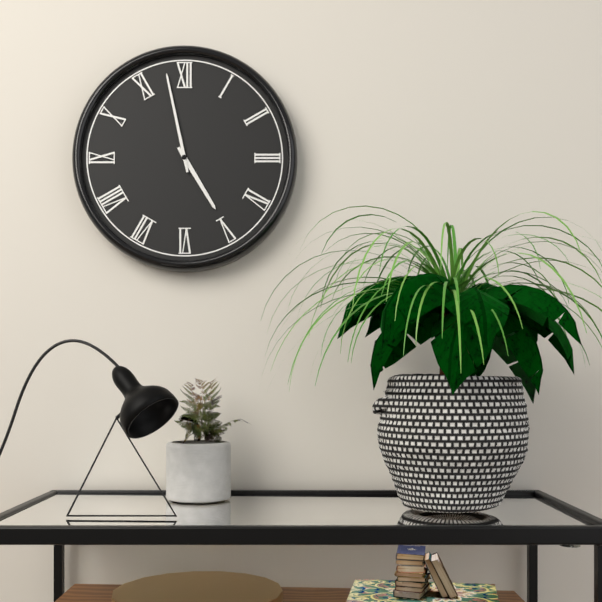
{"hour": 4, "minute": 58}
